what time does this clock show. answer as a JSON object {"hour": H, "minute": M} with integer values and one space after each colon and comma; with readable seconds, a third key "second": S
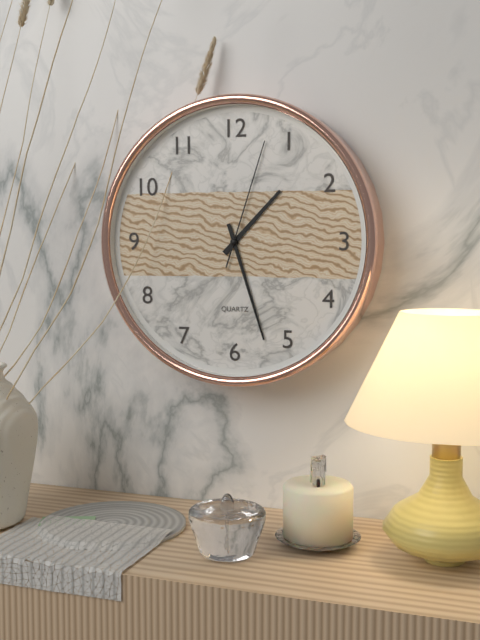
{"hour": 1, "minute": 27, "second": 3}
